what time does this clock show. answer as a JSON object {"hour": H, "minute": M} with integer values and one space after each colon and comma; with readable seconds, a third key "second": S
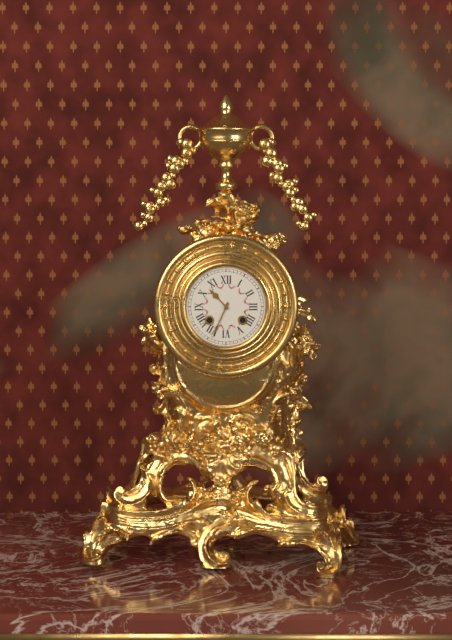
{"hour": 10, "minute": 34}
